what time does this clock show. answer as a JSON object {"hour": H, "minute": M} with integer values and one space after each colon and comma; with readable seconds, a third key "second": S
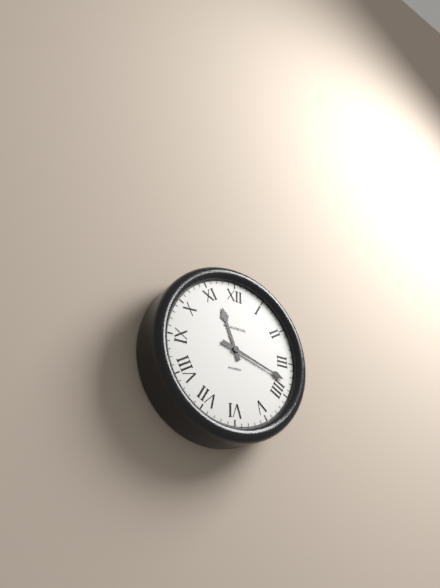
{"hour": 11, "minute": 18}
